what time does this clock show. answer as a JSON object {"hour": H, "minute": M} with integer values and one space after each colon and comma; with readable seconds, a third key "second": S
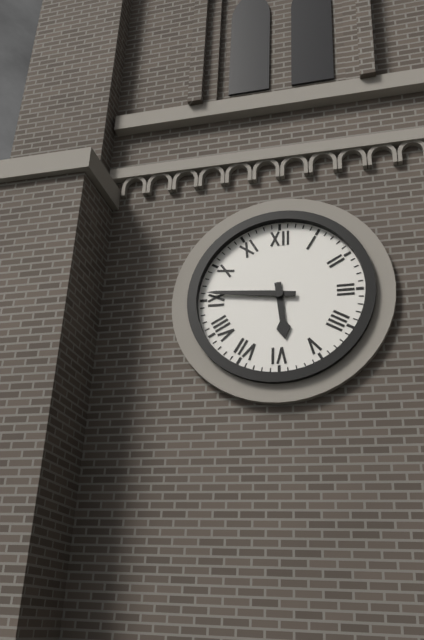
{"hour": 5, "minute": 46}
